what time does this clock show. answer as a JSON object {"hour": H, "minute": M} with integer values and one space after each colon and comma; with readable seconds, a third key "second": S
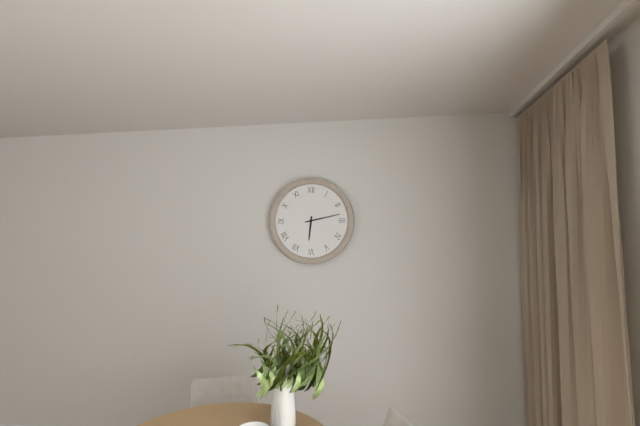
{"hour": 6, "minute": 13}
